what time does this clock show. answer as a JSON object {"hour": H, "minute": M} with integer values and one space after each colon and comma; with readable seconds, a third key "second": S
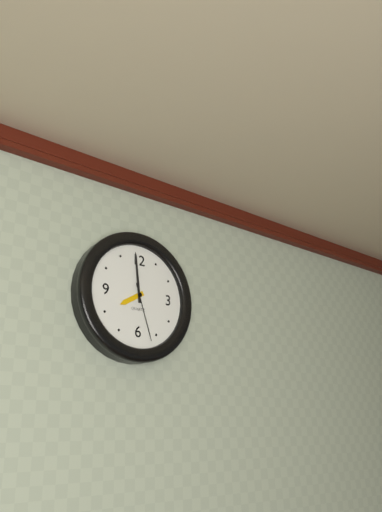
{"hour": 7, "minute": 59, "second": 27}
